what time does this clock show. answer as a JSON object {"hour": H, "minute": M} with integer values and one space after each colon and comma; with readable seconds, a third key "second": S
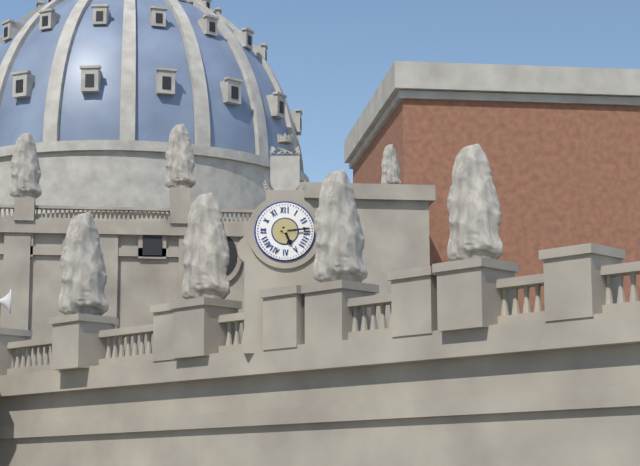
{"hour": 5, "minute": 14}
